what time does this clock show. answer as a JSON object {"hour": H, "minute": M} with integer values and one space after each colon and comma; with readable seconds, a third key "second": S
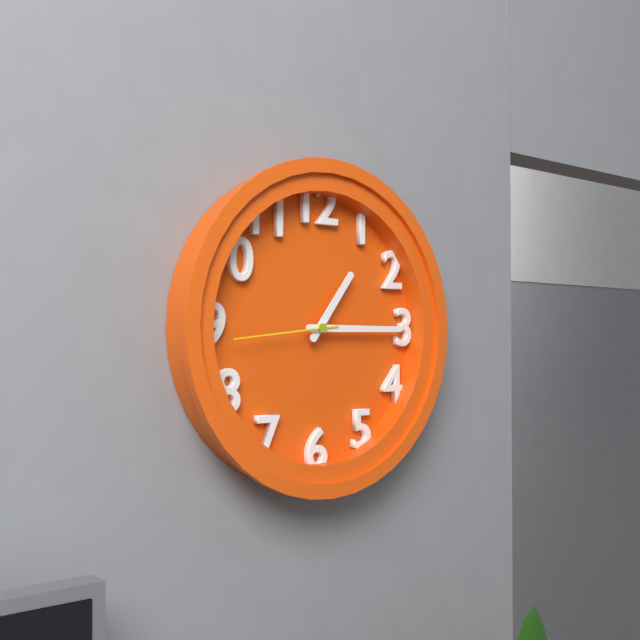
{"hour": 1, "minute": 15, "second": 44}
